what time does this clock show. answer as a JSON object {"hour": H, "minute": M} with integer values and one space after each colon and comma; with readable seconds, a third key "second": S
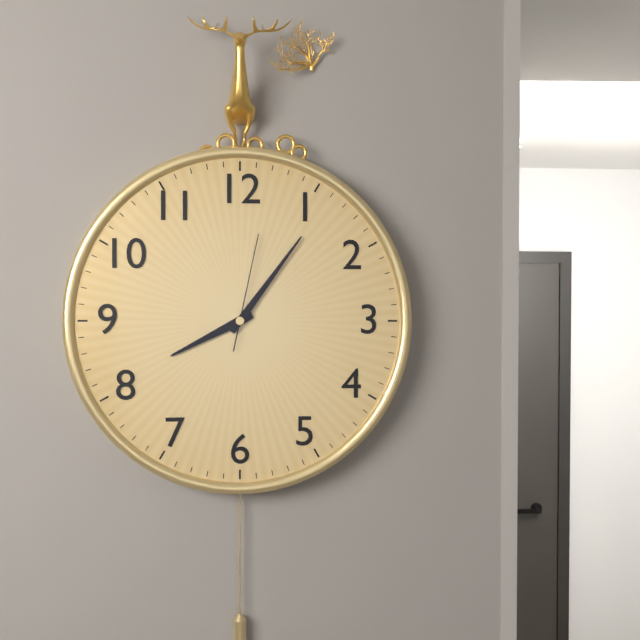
{"hour": 8, "minute": 6, "second": 2}
